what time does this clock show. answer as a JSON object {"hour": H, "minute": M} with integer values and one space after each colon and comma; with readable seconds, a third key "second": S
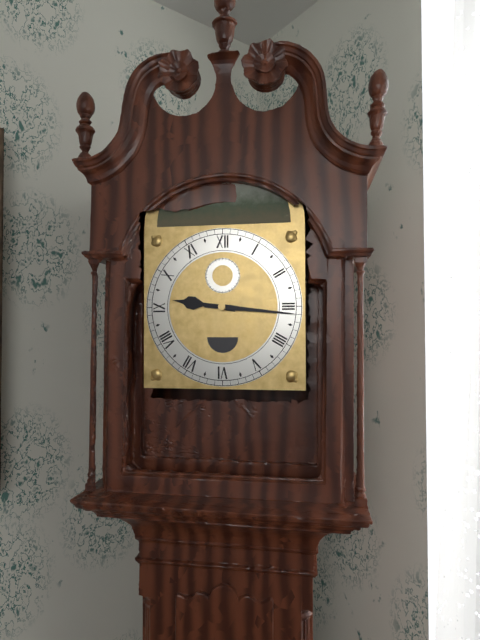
{"hour": 9, "minute": 16}
